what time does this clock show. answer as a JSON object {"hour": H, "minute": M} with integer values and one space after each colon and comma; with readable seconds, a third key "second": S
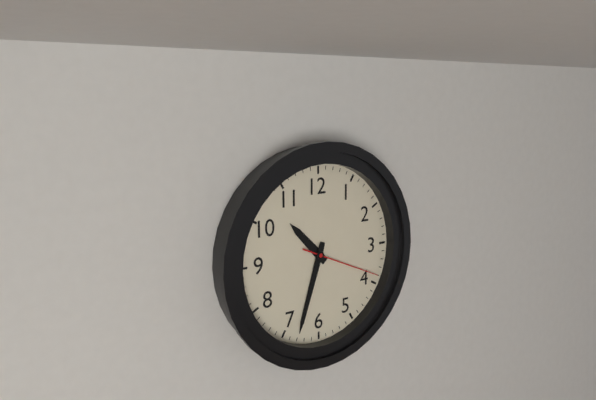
{"hour": 10, "minute": 33, "second": 19}
